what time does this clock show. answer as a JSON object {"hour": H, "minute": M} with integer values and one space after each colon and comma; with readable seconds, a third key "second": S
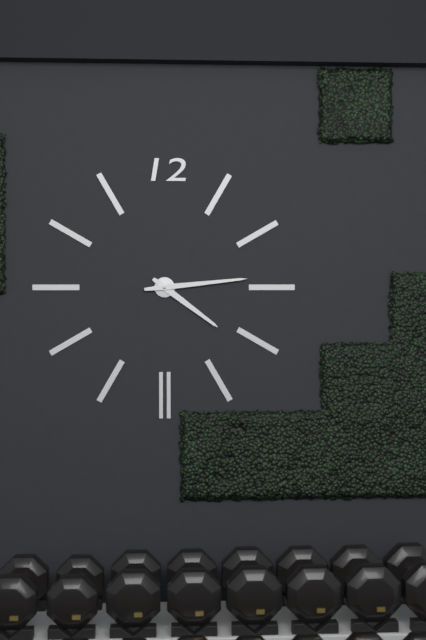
{"hour": 4, "minute": 14}
